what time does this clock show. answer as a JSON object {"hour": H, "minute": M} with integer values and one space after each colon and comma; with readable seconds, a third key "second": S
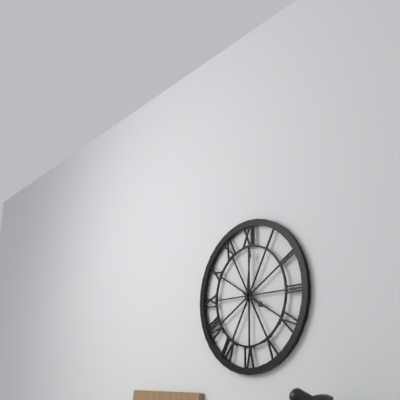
{"hour": 4, "minute": 1}
